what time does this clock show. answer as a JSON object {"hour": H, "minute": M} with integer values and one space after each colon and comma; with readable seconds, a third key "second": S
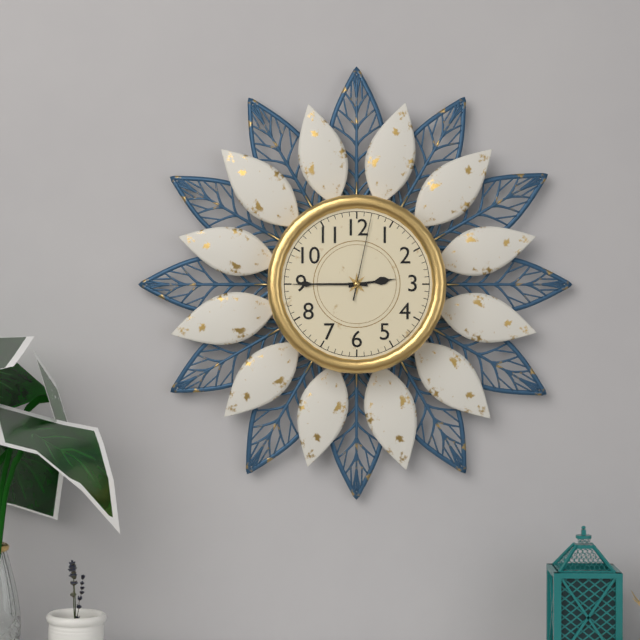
{"hour": 2, "minute": 45, "second": 2}
